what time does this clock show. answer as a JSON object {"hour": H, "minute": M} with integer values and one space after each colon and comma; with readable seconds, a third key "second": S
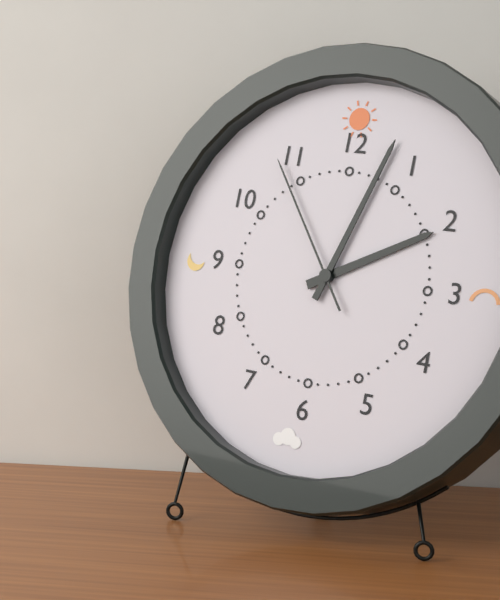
{"hour": 2, "minute": 3, "second": 54}
